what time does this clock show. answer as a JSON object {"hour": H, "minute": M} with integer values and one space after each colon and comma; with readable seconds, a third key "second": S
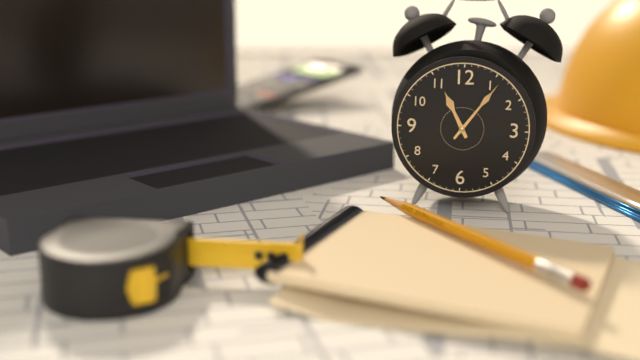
{"hour": 11, "minute": 6}
